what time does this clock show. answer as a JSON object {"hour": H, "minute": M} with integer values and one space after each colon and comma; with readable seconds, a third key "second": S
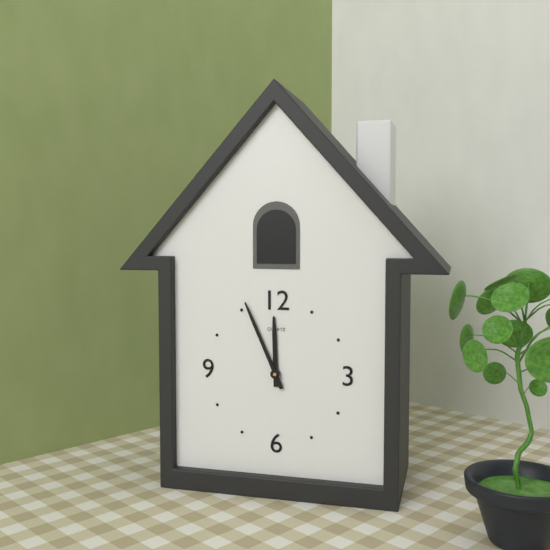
{"hour": 11, "minute": 56}
